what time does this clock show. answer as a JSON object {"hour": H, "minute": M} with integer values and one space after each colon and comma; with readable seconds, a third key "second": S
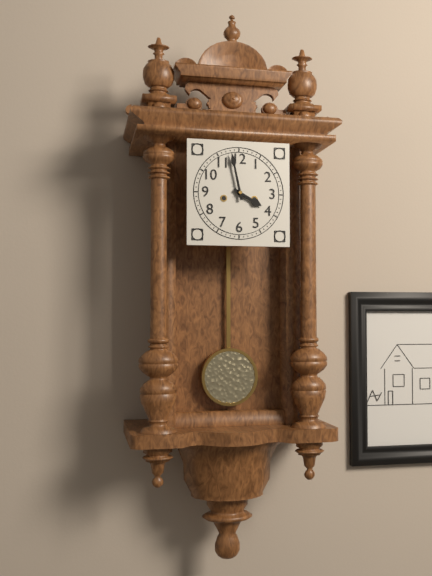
{"hour": 3, "minute": 58}
